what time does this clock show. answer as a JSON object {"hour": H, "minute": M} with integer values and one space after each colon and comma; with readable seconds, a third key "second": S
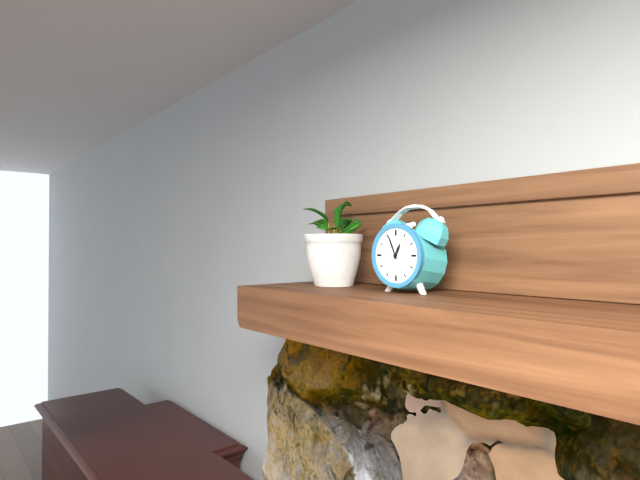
{"hour": 12, "minute": 56}
